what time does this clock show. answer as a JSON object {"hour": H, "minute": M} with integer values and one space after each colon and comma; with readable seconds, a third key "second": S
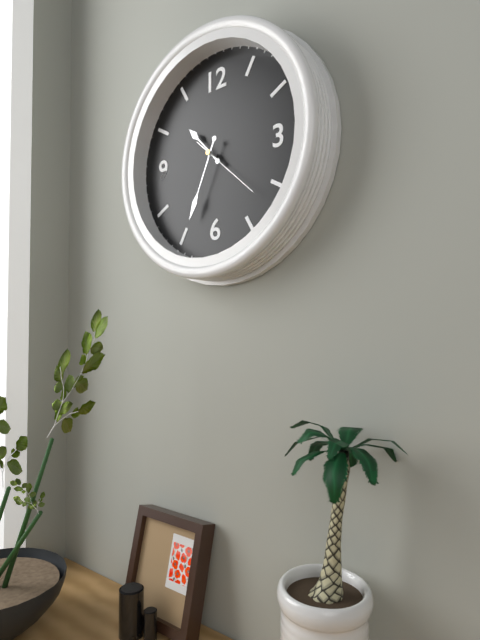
{"hour": 10, "minute": 34, "second": 22}
